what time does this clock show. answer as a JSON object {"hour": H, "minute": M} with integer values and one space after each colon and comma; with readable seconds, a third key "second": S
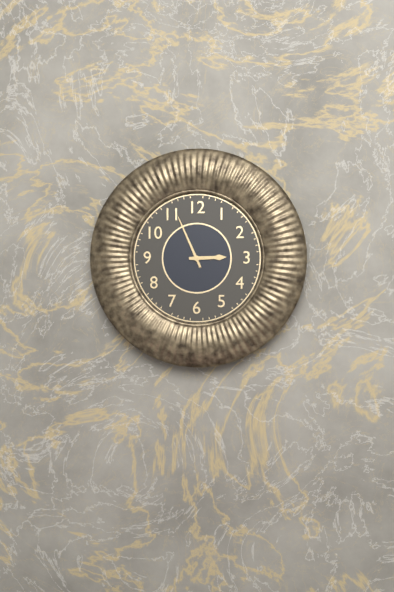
{"hour": 2, "minute": 56}
